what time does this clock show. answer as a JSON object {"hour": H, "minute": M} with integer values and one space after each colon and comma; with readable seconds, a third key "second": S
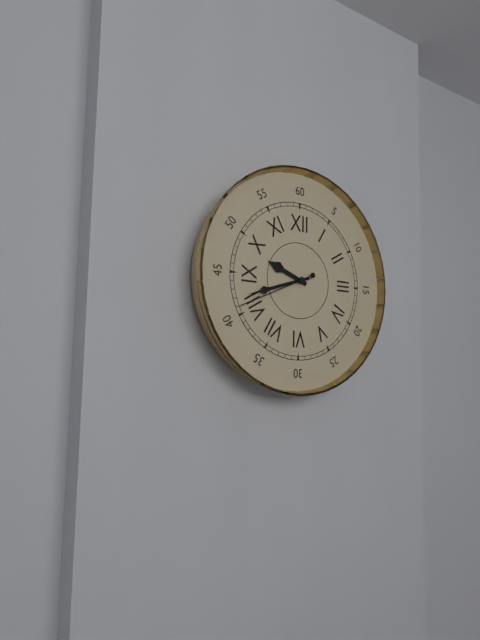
{"hour": 9, "minute": 42, "second": 41}
